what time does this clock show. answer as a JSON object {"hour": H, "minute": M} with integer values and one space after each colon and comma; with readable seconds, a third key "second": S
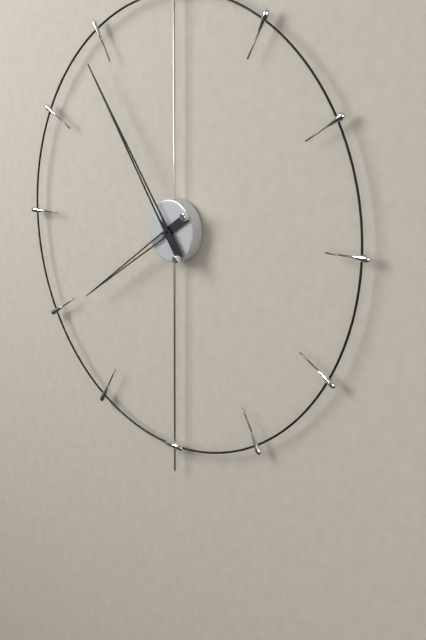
{"hour": 7, "minute": 54}
